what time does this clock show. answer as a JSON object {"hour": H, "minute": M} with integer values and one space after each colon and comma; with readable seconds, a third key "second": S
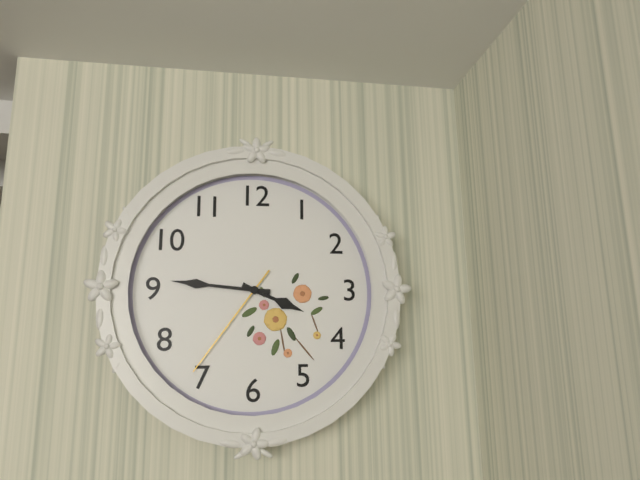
{"hour": 3, "minute": 46, "second": 36}
